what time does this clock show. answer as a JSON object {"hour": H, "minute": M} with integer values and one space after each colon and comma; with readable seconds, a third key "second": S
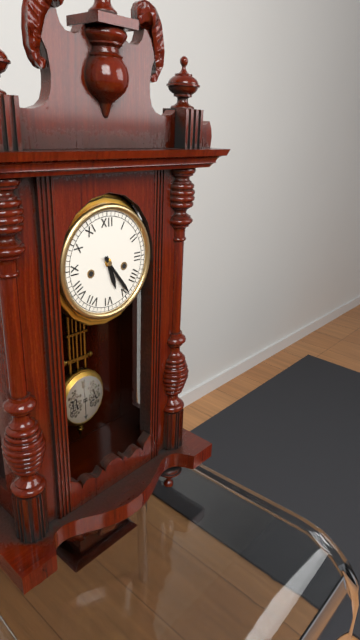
{"hour": 5, "minute": 24}
